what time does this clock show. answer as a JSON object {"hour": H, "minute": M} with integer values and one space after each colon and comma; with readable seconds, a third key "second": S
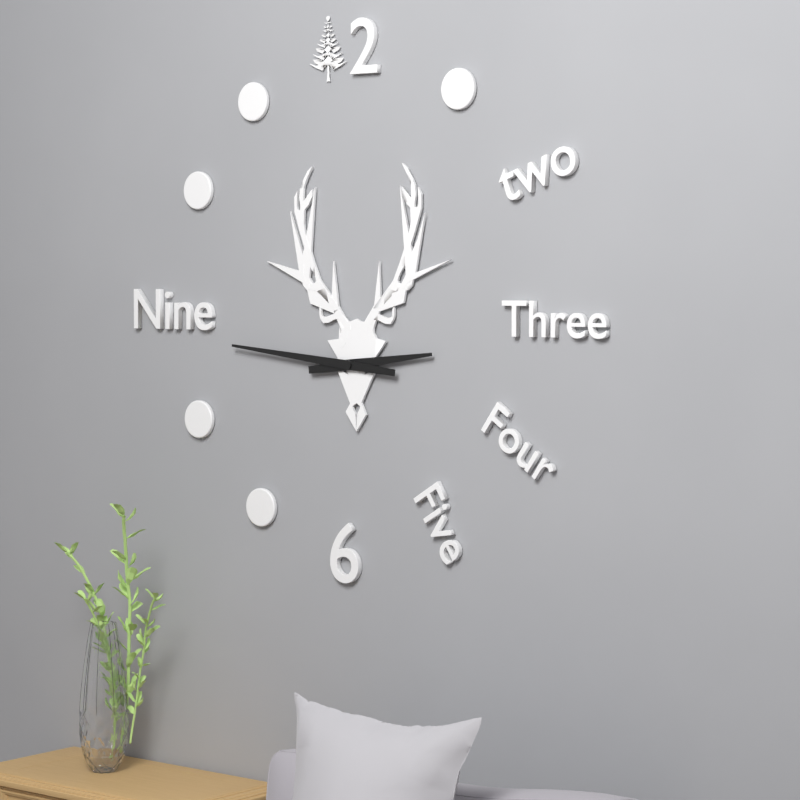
{"hour": 2, "minute": 46}
